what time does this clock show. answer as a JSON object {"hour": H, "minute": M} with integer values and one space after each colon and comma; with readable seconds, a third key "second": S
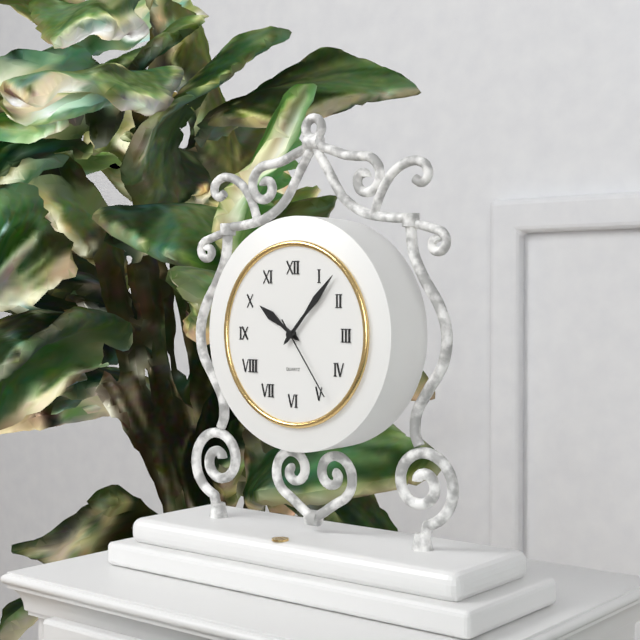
{"hour": 10, "minute": 7, "second": 24}
